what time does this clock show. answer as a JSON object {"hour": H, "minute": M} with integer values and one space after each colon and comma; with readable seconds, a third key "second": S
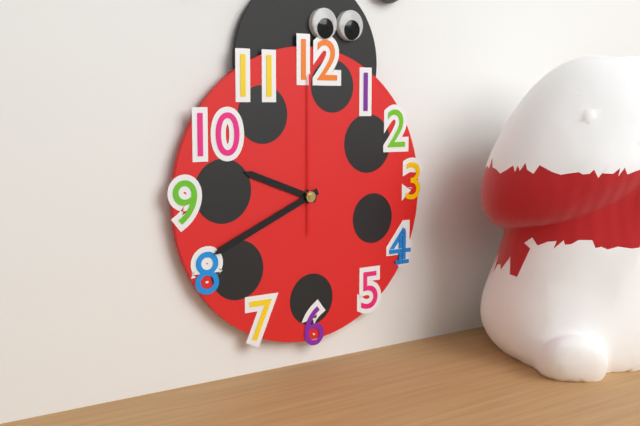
{"hour": 9, "minute": 41, "second": 0}
